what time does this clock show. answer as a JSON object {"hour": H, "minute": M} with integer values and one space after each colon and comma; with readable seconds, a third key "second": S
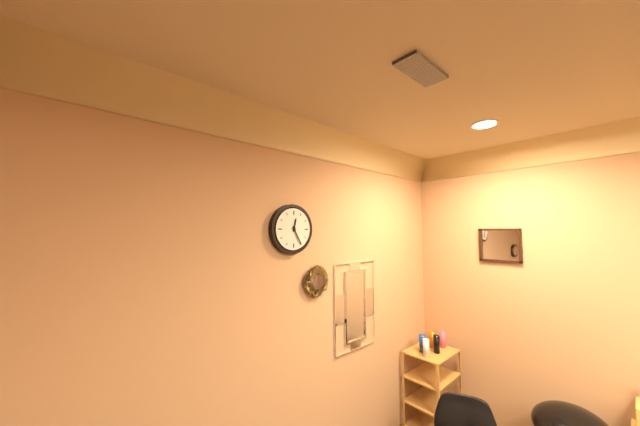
{"hour": 12, "minute": 25}
